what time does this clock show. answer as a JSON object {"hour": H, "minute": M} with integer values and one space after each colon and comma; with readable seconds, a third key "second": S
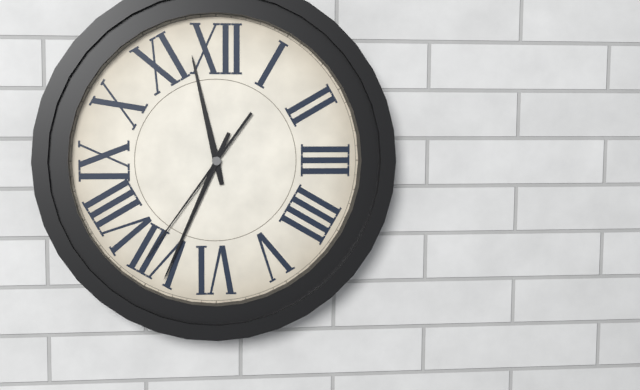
{"hour": 11, "minute": 34, "second": 36}
